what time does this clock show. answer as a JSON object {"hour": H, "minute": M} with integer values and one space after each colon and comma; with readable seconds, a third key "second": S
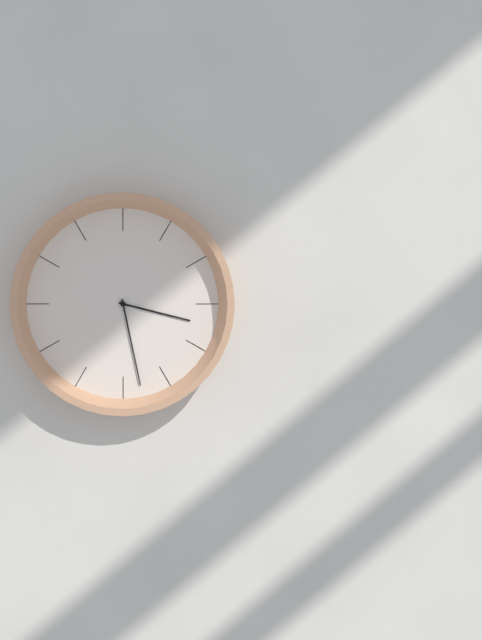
{"hour": 3, "minute": 28}
